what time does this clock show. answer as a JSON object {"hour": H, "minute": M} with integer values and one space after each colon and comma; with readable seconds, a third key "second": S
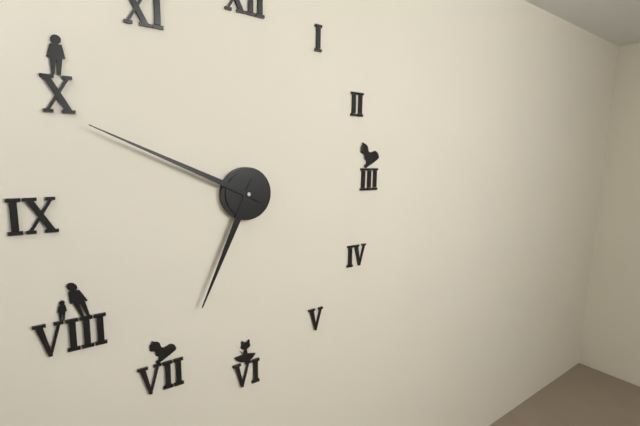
{"hour": 6, "minute": 49}
